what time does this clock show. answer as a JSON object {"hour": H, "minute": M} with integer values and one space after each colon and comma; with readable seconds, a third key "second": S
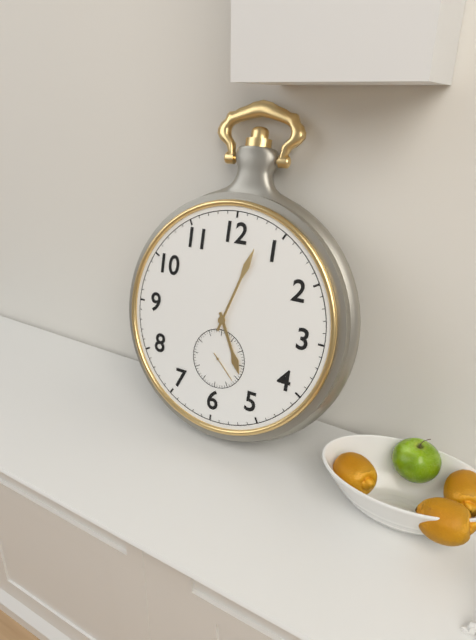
{"hour": 5, "minute": 3}
